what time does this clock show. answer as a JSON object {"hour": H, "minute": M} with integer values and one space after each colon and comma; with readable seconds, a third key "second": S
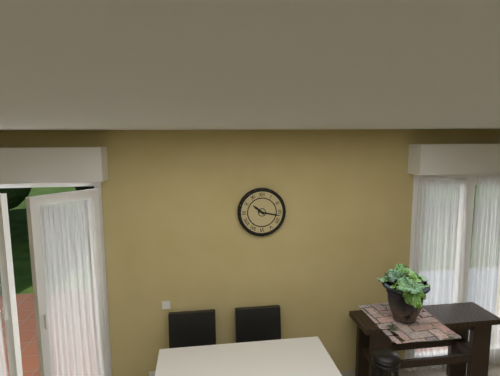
{"hour": 10, "minute": 17}
